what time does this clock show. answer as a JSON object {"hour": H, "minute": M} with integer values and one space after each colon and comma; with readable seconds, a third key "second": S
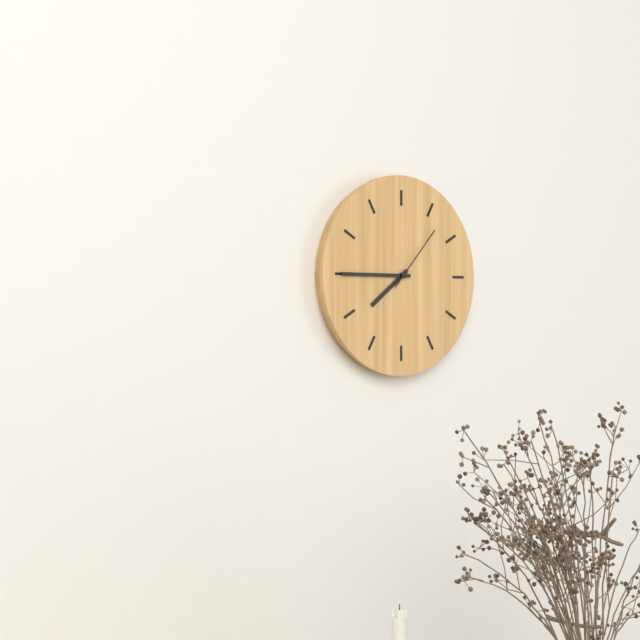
{"hour": 7, "minute": 45, "second": 7}
